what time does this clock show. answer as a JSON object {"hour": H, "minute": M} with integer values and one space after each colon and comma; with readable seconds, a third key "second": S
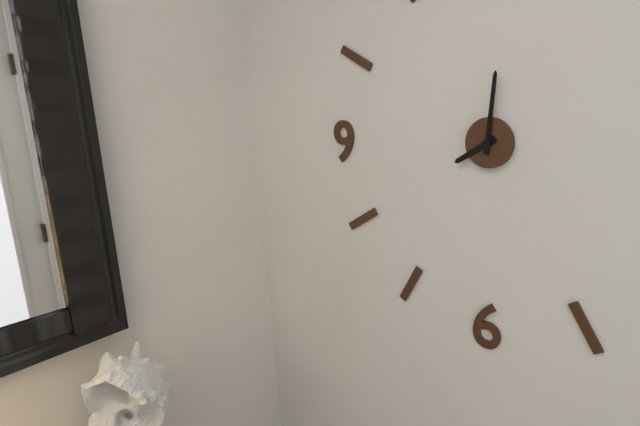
{"hour": 8, "minute": 1}
